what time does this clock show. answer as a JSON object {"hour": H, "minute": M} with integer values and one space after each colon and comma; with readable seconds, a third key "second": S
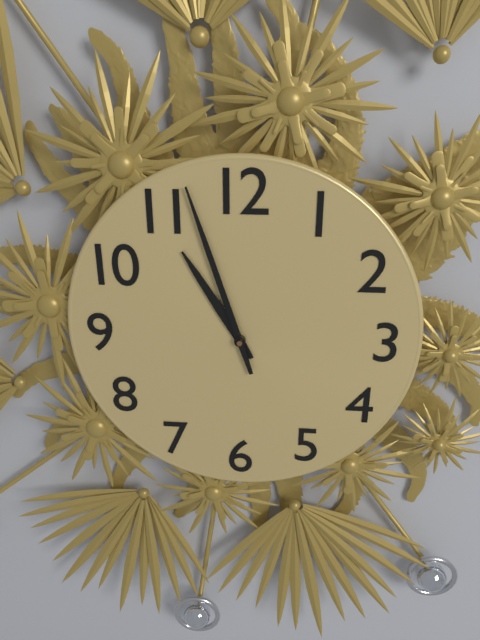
{"hour": 10, "minute": 57}
